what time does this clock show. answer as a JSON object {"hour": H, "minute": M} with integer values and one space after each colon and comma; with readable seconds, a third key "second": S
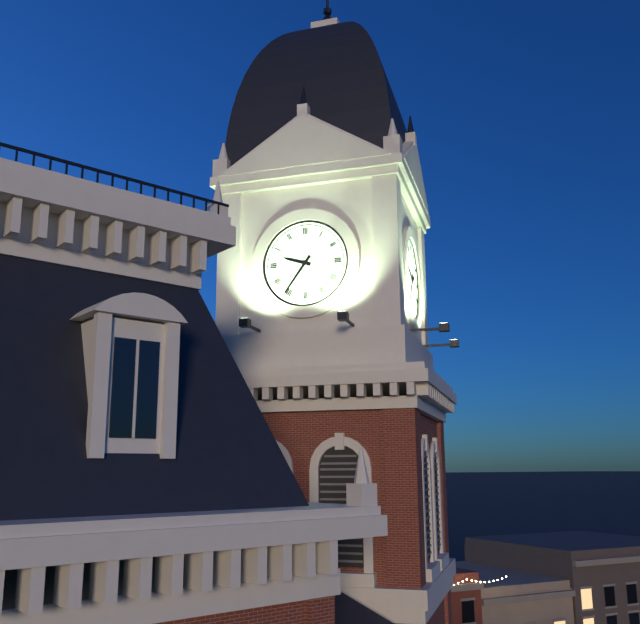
{"hour": 9, "minute": 36}
